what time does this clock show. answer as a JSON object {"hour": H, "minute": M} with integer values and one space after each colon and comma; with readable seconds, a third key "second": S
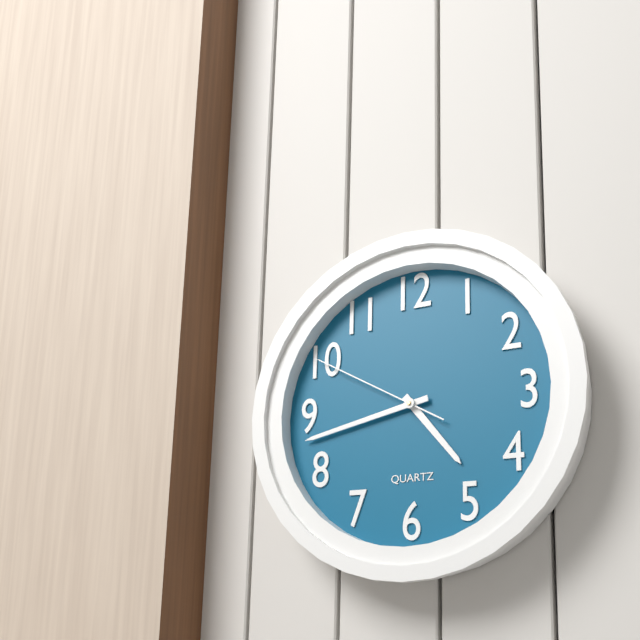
{"hour": 4, "minute": 43, "second": 50}
